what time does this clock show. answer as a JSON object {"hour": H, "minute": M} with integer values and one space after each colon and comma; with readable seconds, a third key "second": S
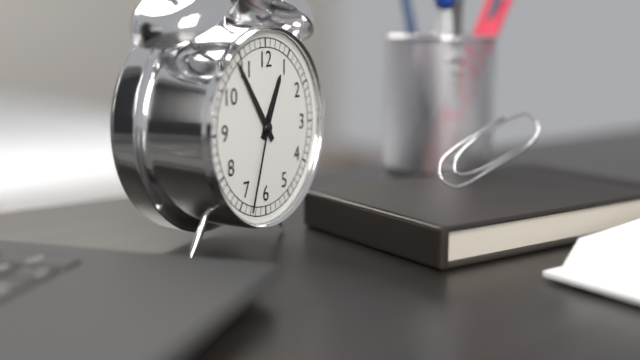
{"hour": 12, "minute": 54, "second": 33}
